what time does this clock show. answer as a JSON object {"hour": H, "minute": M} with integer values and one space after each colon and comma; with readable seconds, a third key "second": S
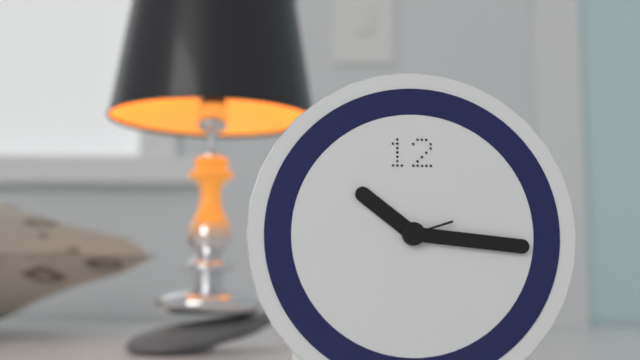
{"hour": 10, "minute": 16, "second": 12}
